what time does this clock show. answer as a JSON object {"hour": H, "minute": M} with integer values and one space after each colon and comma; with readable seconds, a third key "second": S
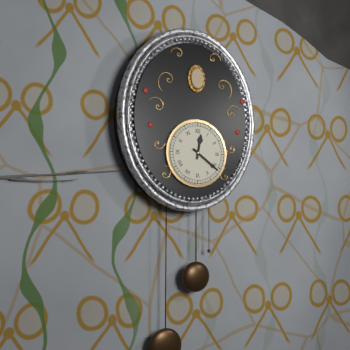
{"hour": 12, "minute": 21}
